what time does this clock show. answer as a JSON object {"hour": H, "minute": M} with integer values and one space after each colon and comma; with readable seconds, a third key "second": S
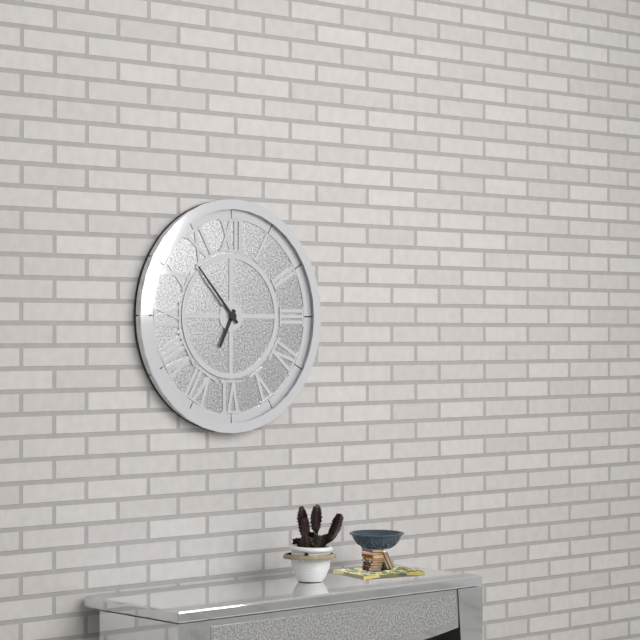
{"hour": 6, "minute": 53}
